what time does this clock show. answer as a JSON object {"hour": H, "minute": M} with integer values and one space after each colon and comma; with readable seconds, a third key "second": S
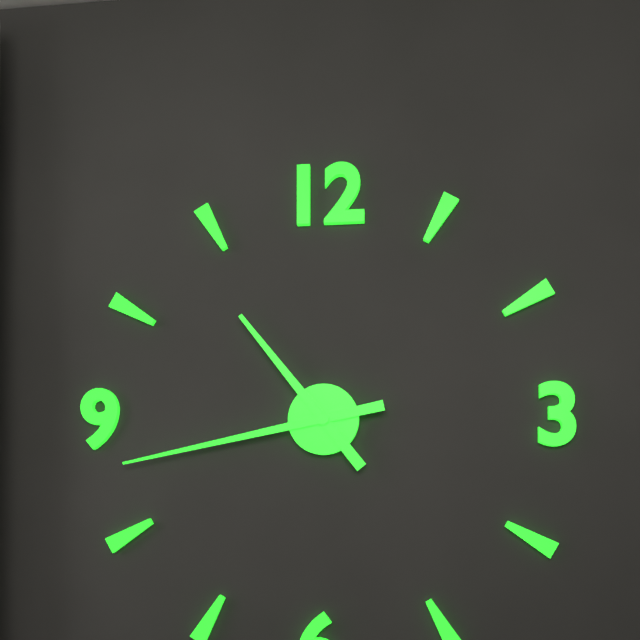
{"hour": 10, "minute": 43}
